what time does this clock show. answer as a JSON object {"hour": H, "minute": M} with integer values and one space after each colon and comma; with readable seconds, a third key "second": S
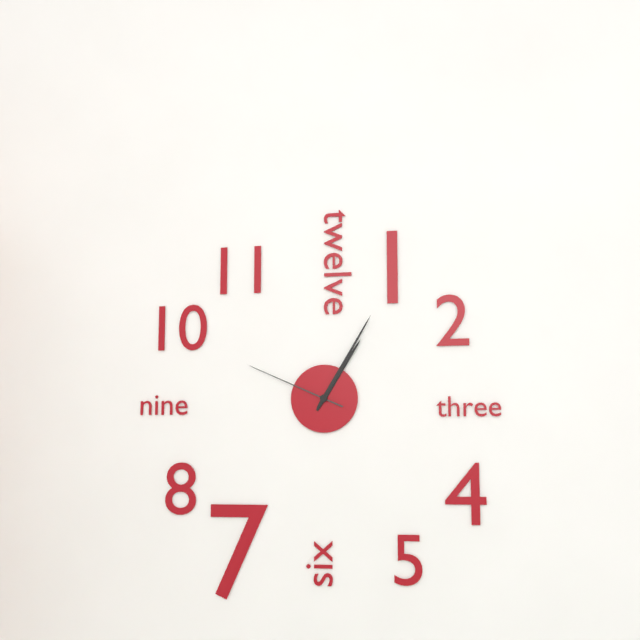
{"hour": 1, "minute": 5, "second": 49}
